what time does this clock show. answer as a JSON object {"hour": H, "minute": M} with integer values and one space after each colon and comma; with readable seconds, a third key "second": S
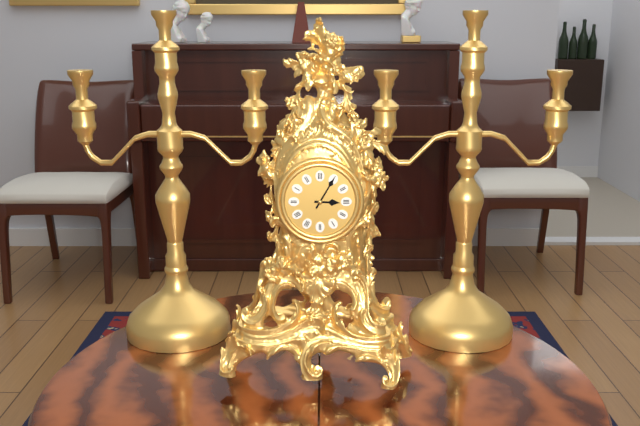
{"hour": 3, "minute": 5}
